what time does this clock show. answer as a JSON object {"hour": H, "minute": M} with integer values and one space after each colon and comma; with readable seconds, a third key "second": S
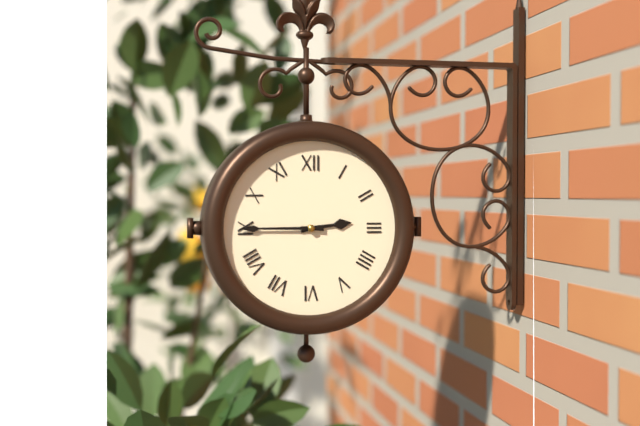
{"hour": 2, "minute": 45}
